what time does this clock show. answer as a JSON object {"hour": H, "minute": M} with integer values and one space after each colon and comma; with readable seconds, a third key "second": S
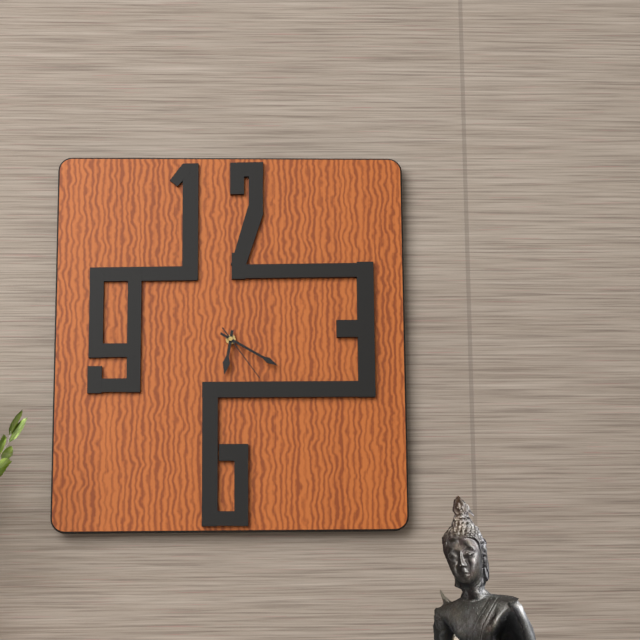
{"hour": 6, "minute": 20, "second": 24}
